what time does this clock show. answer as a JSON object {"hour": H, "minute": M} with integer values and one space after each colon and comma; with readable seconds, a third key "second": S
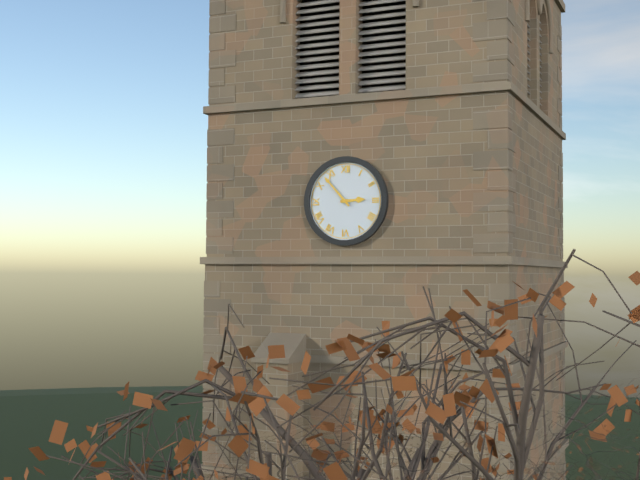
{"hour": 2, "minute": 53}
